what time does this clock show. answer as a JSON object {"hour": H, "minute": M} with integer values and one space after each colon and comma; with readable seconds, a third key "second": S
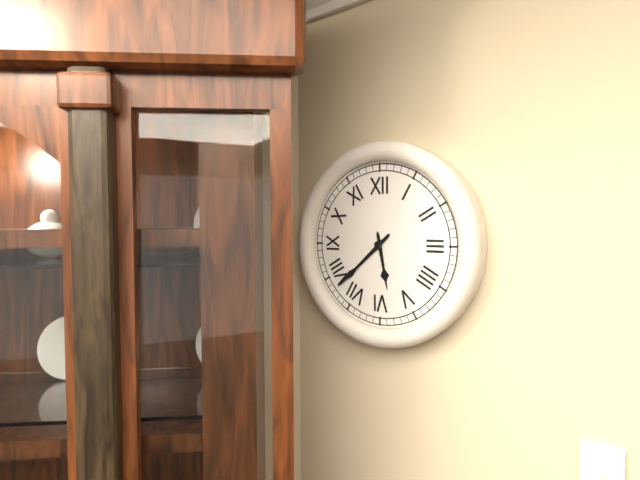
{"hour": 5, "minute": 38}
